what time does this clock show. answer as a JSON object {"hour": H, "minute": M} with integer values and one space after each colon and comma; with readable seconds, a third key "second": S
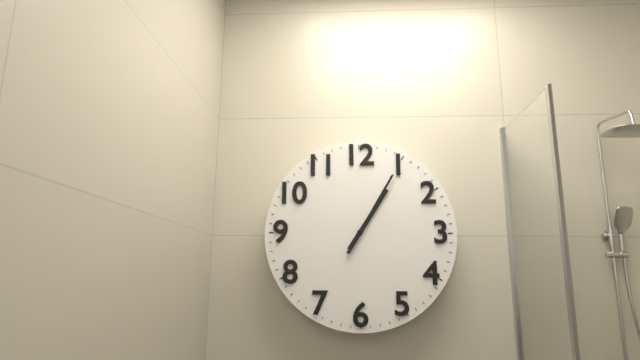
{"hour": 1, "minute": 5}
